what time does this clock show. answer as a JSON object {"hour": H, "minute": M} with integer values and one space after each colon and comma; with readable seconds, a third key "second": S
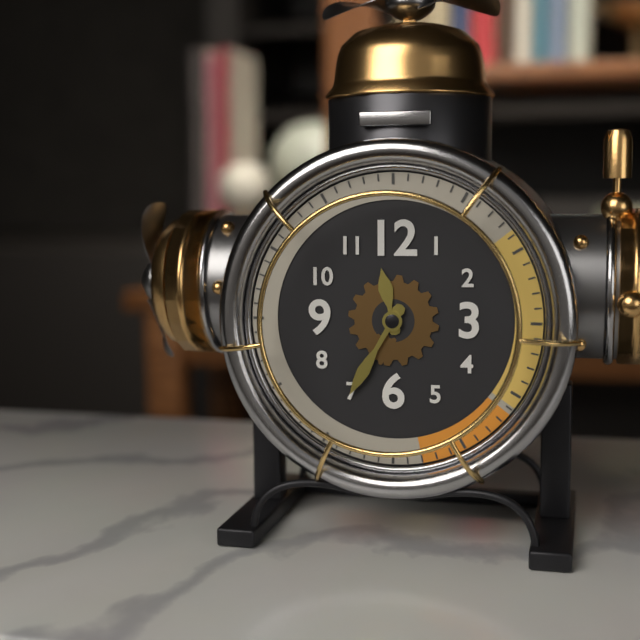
{"hour": 11, "minute": 35}
